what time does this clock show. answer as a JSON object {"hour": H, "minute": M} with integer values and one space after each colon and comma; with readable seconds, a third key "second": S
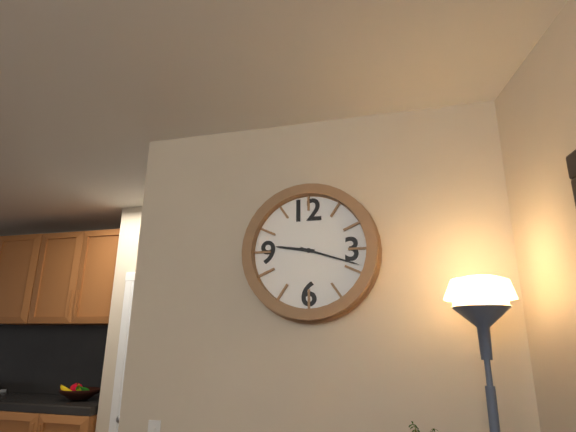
{"hour": 9, "minute": 18}
